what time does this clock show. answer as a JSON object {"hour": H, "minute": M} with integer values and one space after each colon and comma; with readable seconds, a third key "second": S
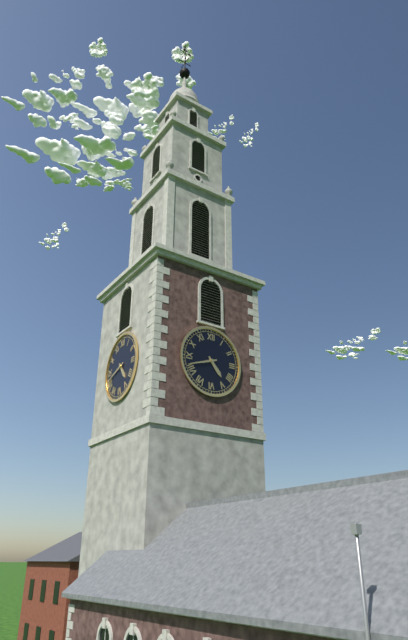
{"hour": 4, "minute": 42}
